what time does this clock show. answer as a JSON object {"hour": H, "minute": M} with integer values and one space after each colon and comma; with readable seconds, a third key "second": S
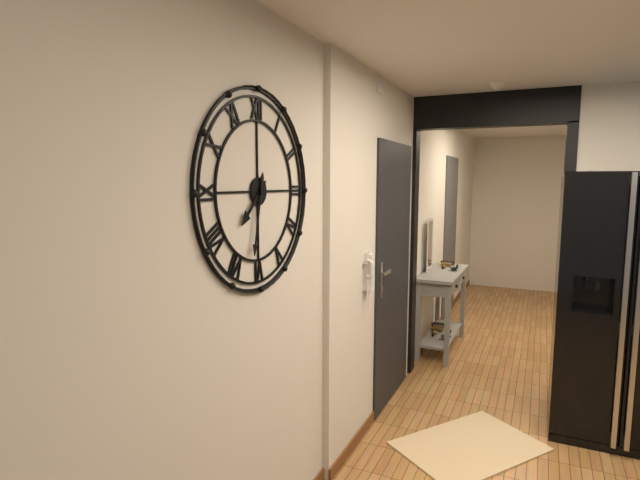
{"hour": 7, "minute": 32}
